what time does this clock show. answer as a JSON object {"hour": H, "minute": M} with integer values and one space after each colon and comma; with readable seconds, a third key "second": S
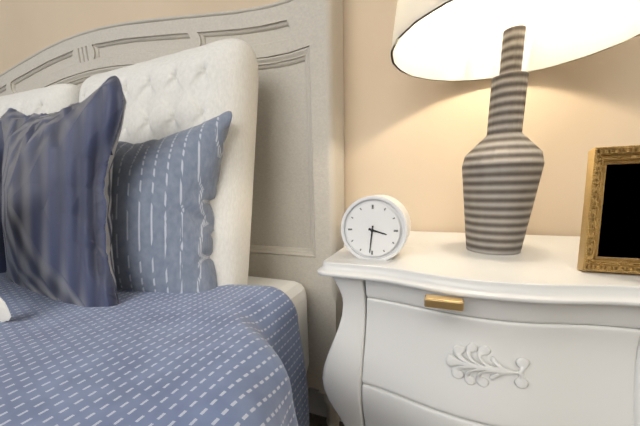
{"hour": 3, "minute": 31}
